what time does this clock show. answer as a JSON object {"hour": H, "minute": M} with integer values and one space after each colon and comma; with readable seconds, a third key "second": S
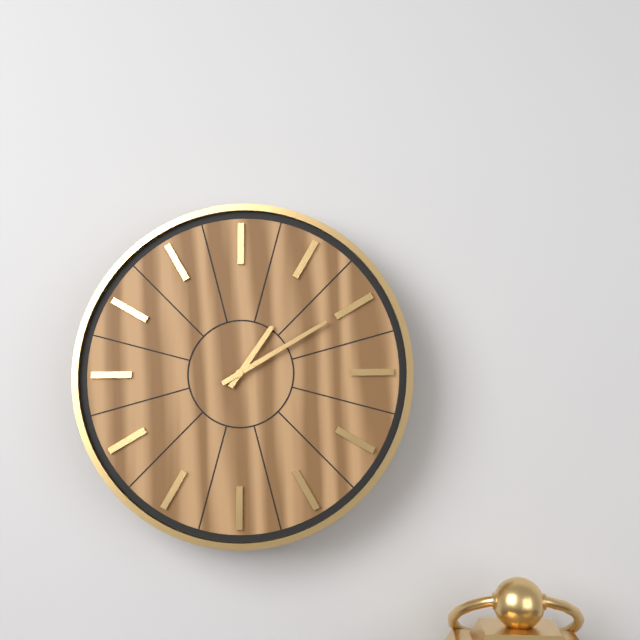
{"hour": 1, "minute": 10}
